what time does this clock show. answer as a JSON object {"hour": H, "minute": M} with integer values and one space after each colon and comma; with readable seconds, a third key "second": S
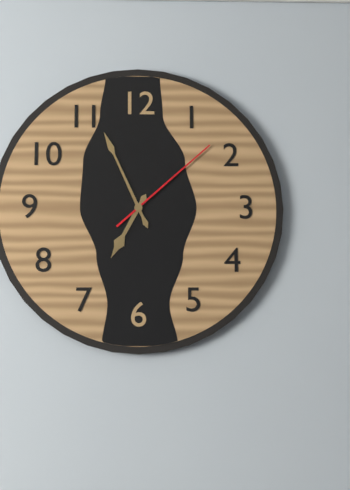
{"hour": 6, "minute": 56, "second": 8}
